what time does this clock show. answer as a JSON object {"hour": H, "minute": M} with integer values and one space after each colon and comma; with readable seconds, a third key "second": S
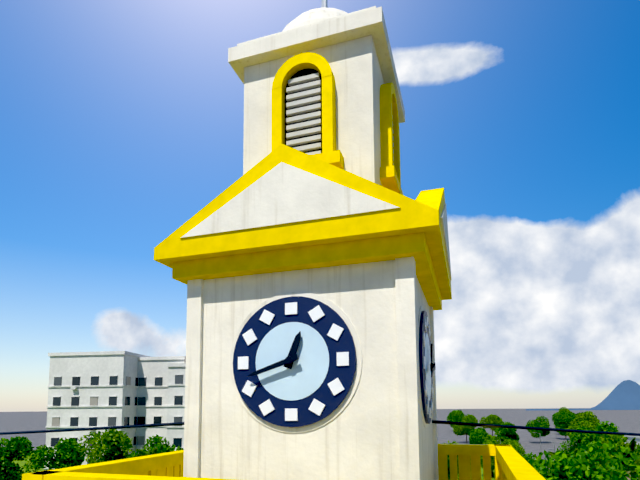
{"hour": 12, "minute": 42}
